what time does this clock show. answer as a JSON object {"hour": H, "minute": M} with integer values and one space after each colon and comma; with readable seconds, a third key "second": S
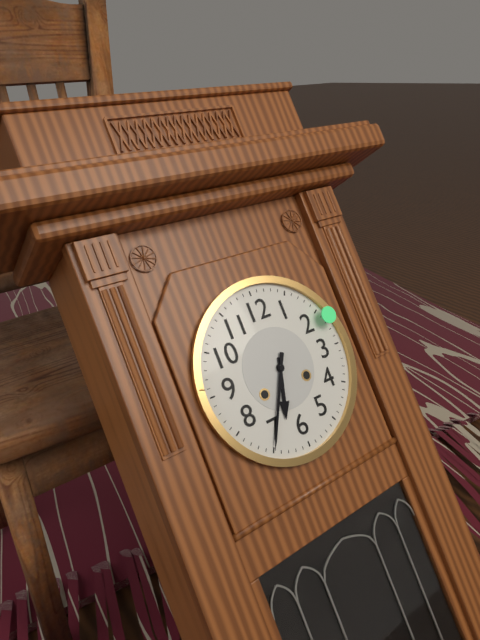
{"hour": 6, "minute": 35}
